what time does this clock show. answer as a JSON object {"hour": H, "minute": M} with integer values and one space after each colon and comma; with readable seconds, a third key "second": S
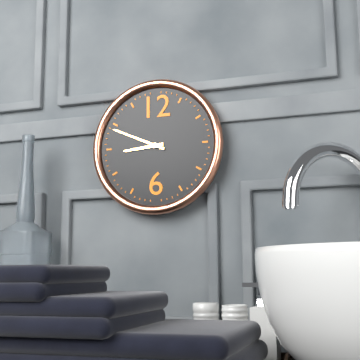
{"hour": 8, "minute": 49}
